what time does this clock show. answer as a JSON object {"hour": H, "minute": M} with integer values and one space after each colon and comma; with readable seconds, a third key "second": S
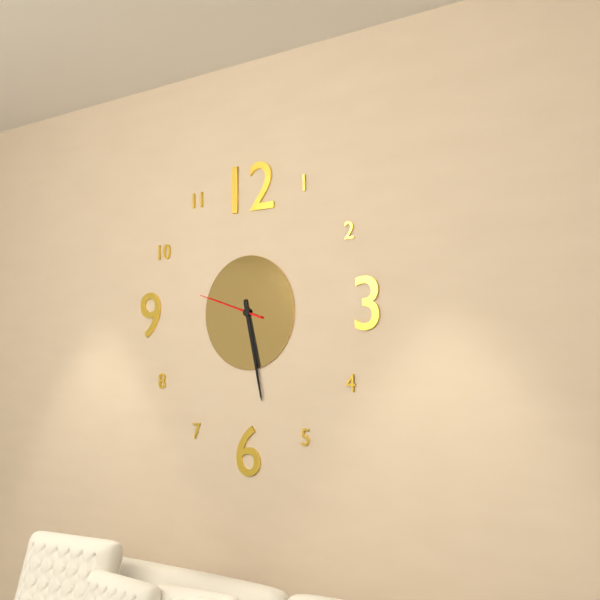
{"hour": 5, "minute": 28, "second": 48}
